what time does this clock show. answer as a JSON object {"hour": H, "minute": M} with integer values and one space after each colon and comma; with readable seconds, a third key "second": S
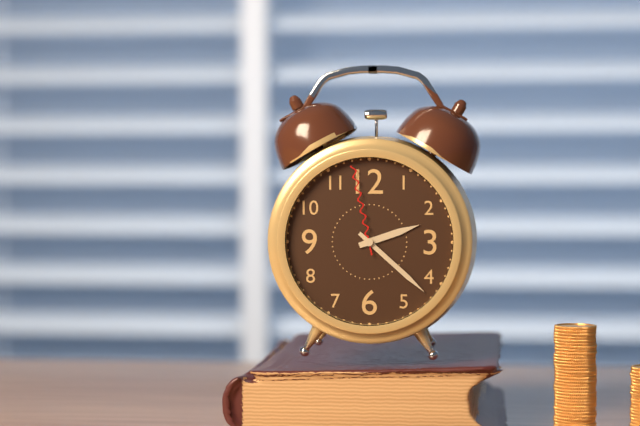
{"hour": 2, "minute": 22, "second": 58}
